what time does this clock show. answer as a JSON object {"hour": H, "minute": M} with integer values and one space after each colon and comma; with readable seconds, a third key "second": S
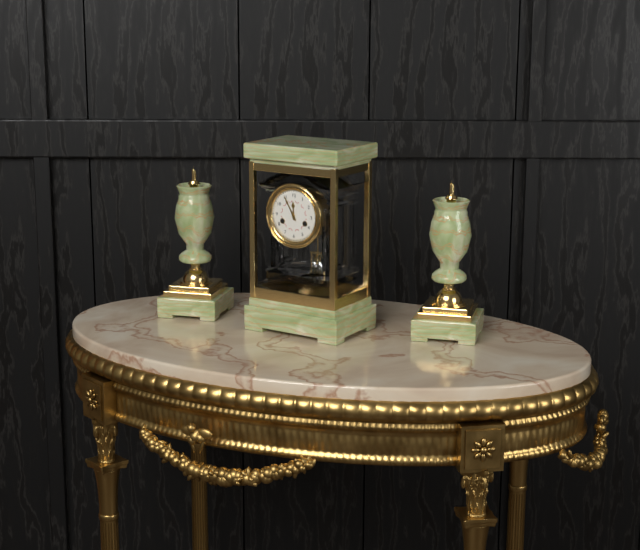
{"hour": 11, "minute": 55}
